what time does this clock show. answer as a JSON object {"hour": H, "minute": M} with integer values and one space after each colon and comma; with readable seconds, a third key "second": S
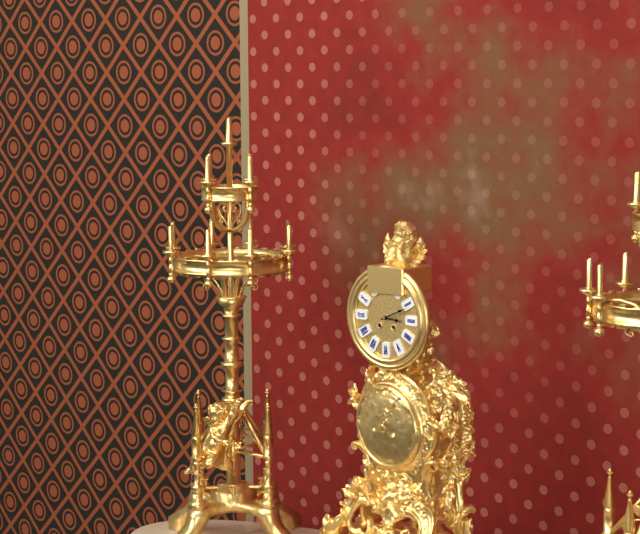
{"hour": 3, "minute": 11}
